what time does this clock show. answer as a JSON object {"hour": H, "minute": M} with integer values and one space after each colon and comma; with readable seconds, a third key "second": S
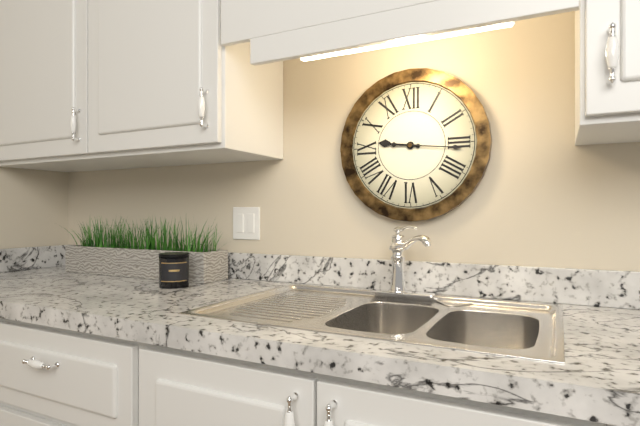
{"hour": 9, "minute": 16}
